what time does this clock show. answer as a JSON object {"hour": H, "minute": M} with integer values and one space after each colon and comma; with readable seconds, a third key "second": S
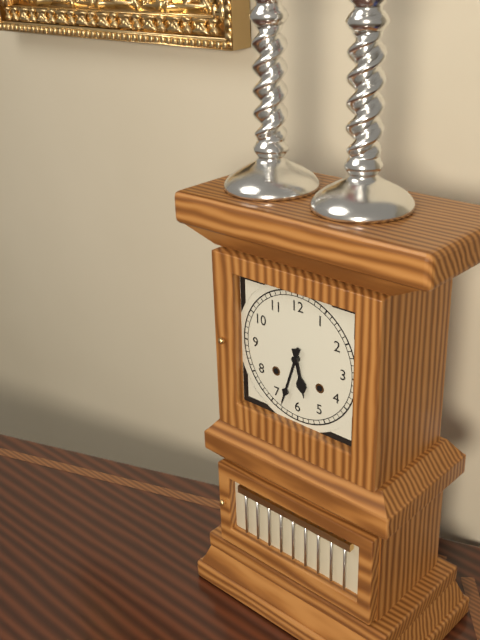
{"hour": 5, "minute": 33}
